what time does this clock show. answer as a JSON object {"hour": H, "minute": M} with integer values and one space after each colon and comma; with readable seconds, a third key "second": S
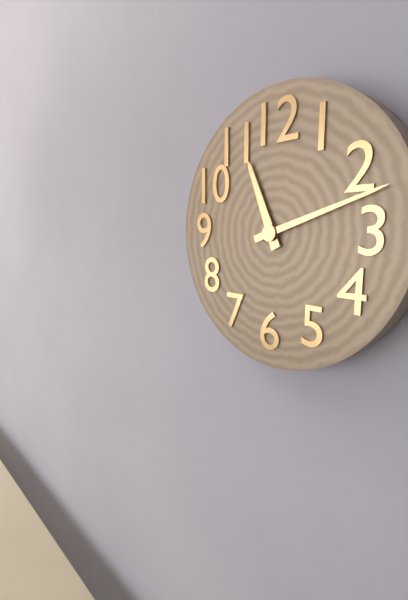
{"hour": 11, "minute": 12}
